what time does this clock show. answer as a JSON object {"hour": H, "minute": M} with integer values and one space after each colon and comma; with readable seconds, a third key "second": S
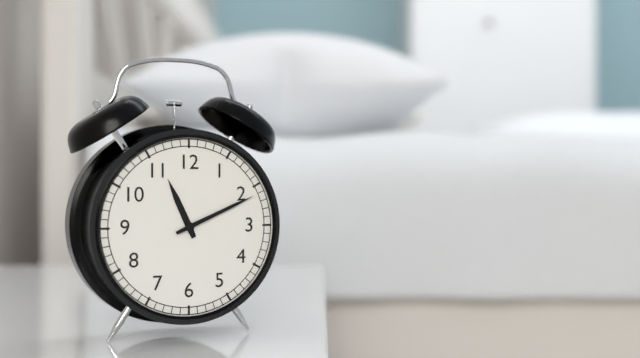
{"hour": 11, "minute": 11}
